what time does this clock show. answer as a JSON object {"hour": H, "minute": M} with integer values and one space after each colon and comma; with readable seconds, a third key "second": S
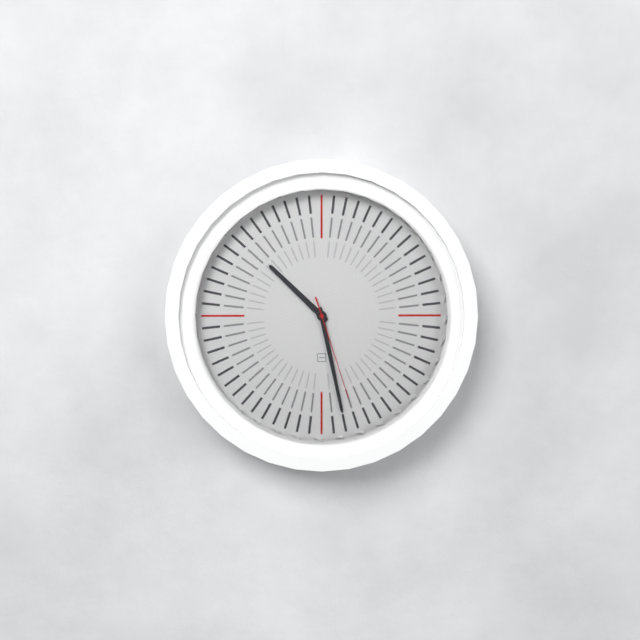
{"hour": 10, "minute": 28, "second": 27}
